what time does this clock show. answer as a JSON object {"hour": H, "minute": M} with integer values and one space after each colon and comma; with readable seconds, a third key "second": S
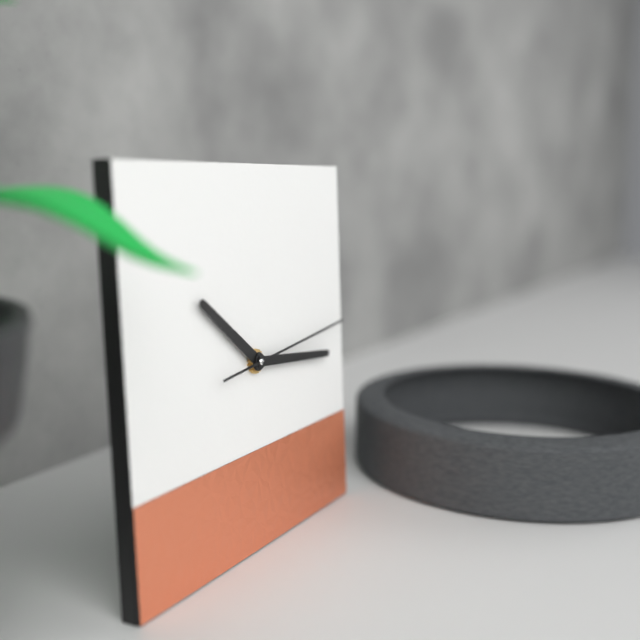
{"hour": 10, "minute": 16, "second": 14}
